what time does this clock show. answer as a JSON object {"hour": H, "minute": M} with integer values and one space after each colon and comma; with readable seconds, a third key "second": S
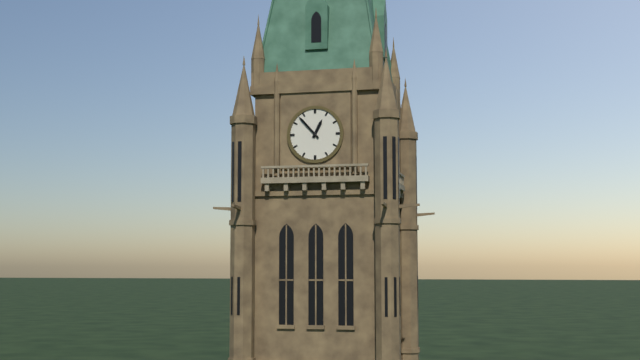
{"hour": 12, "minute": 53}
